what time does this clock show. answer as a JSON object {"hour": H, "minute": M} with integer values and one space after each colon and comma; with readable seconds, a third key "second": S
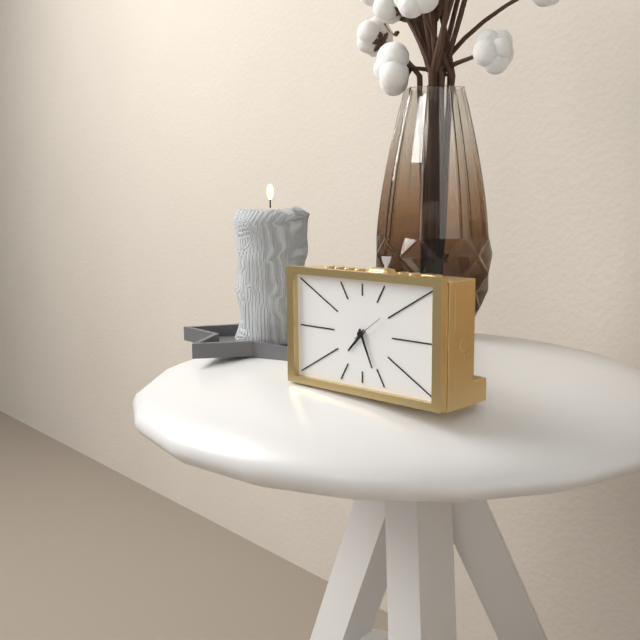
{"hour": 7, "minute": 26}
